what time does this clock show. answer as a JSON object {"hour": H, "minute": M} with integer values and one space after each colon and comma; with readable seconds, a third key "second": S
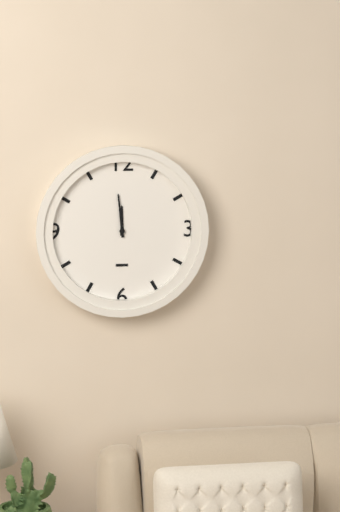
{"hour": 11, "minute": 59}
